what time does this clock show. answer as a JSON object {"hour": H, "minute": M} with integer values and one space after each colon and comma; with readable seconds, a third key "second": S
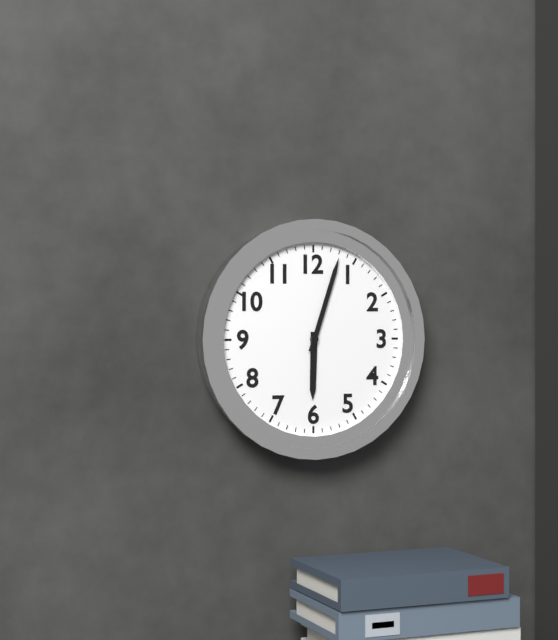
{"hour": 6, "minute": 3}
